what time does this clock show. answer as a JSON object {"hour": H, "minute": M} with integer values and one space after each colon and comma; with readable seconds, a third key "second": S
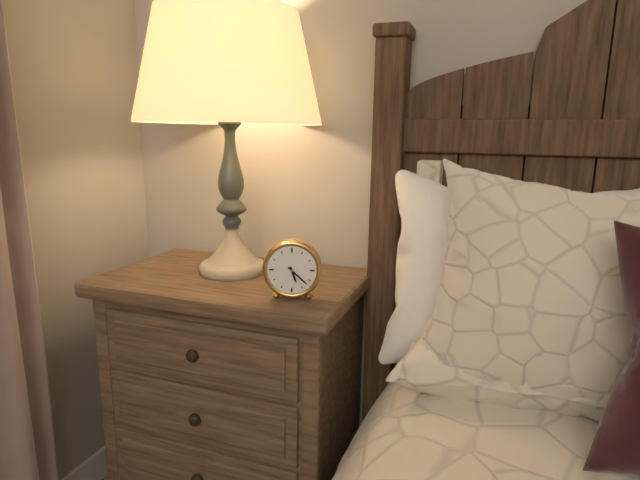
{"hour": 5, "minute": 22}
